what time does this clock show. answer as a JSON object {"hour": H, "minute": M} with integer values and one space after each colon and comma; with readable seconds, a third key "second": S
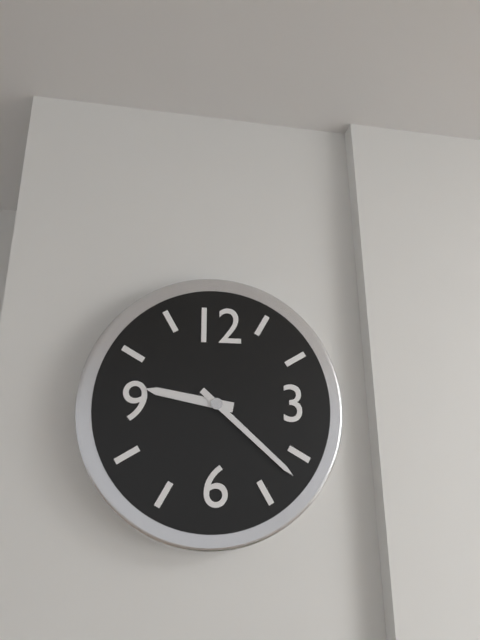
{"hour": 9, "minute": 22}
